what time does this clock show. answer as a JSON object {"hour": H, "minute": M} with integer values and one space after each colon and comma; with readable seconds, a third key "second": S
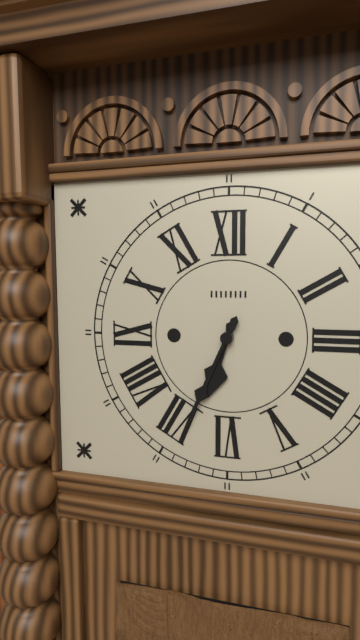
{"hour": 6, "minute": 34}
